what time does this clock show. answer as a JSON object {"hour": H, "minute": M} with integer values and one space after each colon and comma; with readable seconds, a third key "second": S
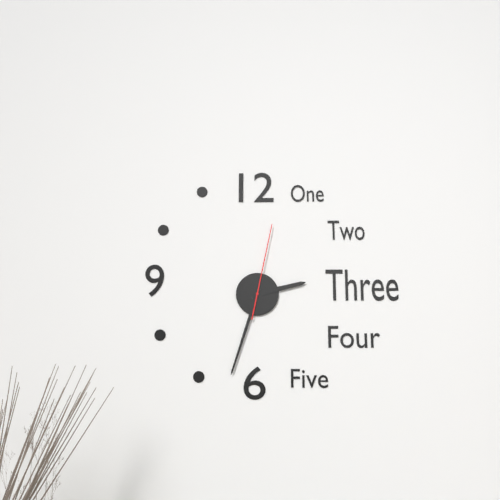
{"hour": 2, "minute": 33, "second": 2}
